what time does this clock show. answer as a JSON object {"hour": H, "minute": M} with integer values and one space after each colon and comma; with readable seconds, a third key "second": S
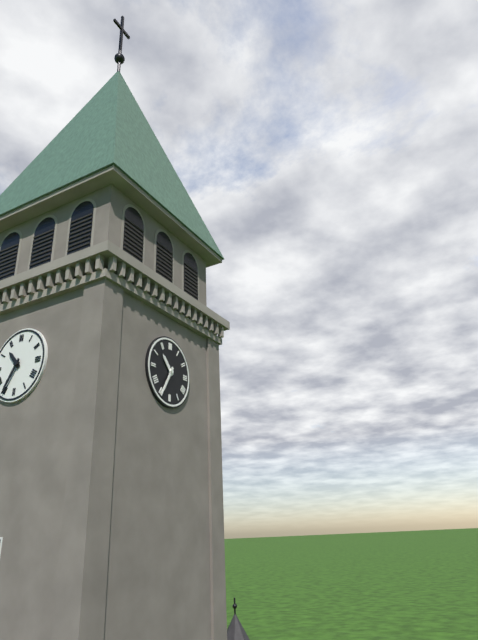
{"hour": 10, "minute": 35}
